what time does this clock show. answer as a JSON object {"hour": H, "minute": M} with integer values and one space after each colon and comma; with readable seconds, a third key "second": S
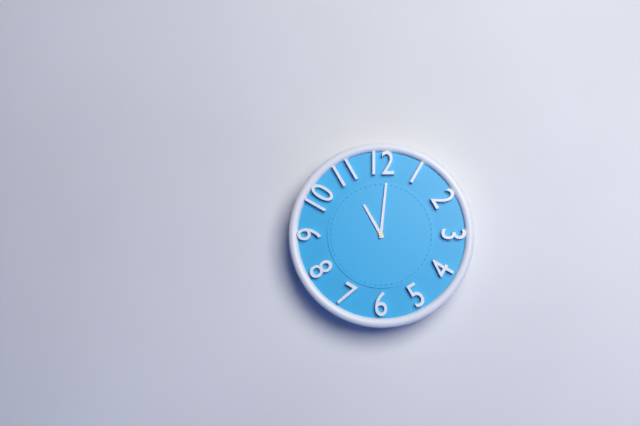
{"hour": 11, "minute": 1}
